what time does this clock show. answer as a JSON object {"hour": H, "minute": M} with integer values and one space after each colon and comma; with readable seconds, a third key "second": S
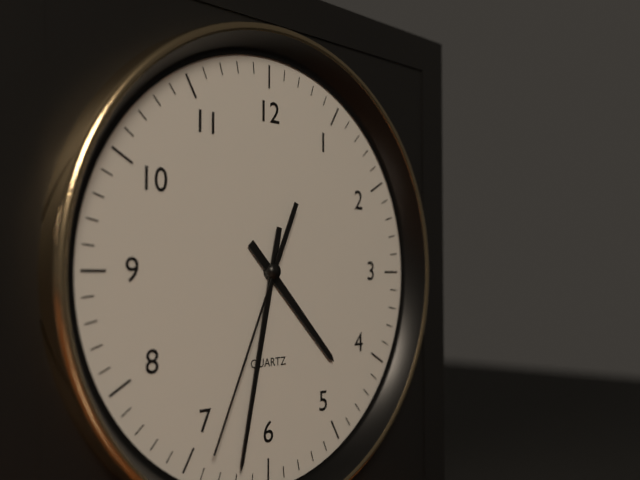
{"hour": 4, "minute": 32, "second": 34}
